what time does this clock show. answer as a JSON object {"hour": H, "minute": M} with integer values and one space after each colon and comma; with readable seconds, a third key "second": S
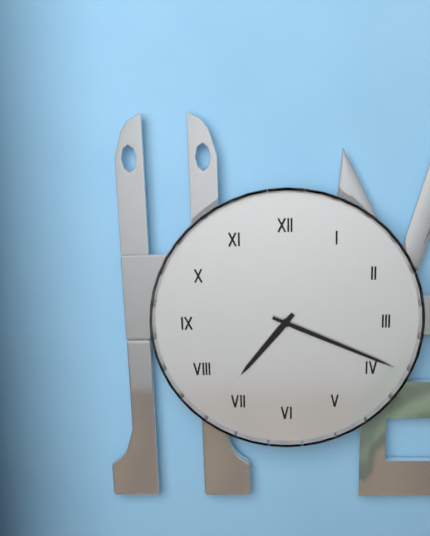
{"hour": 7, "minute": 19}
